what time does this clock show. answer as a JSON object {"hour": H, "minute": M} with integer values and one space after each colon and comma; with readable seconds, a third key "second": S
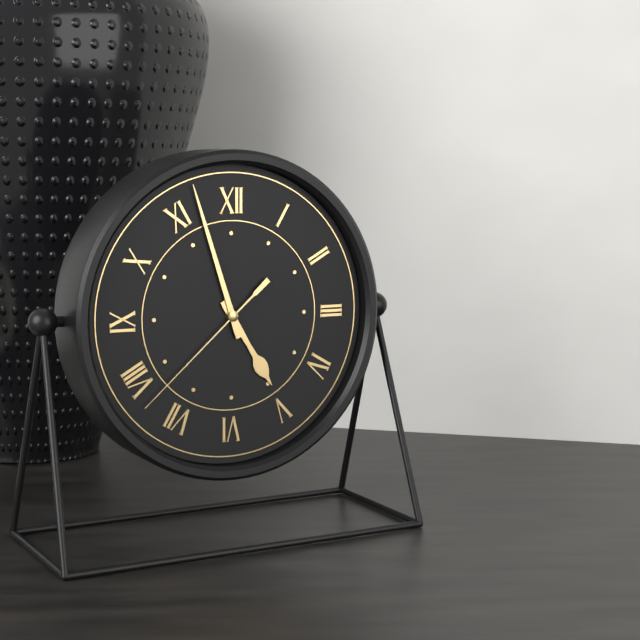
{"hour": 4, "minute": 57, "second": 38}
